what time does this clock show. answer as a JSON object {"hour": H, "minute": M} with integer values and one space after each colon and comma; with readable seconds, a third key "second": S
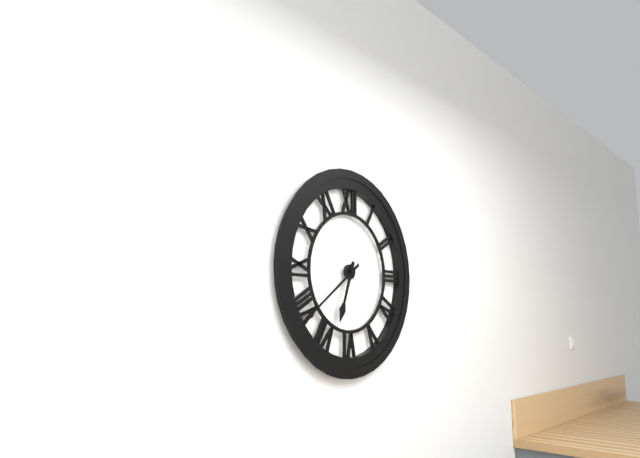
{"hour": 6, "minute": 39}
